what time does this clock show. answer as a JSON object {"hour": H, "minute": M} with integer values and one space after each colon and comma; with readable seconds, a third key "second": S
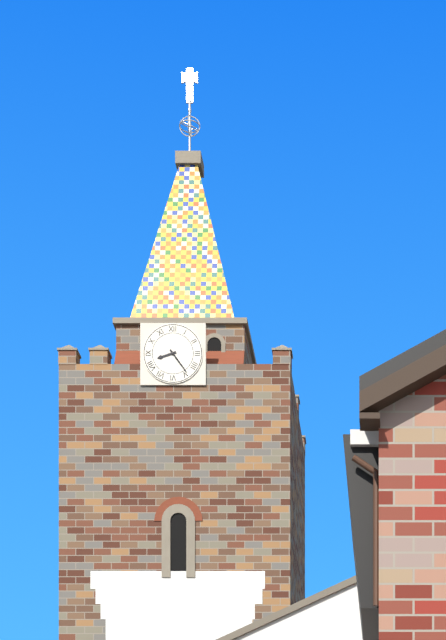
{"hour": 8, "minute": 24}
